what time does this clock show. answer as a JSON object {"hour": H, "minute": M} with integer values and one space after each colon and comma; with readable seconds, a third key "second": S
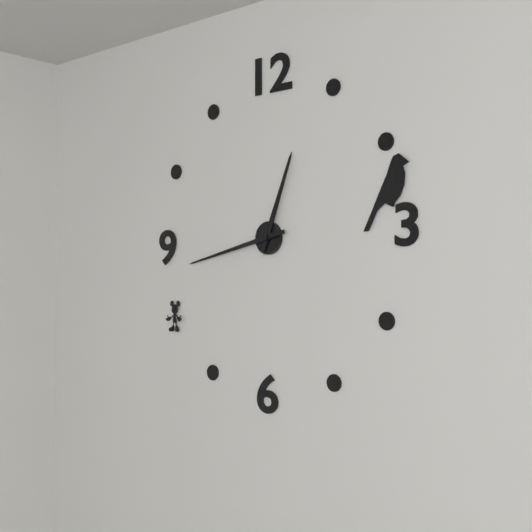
{"hour": 12, "minute": 43}
